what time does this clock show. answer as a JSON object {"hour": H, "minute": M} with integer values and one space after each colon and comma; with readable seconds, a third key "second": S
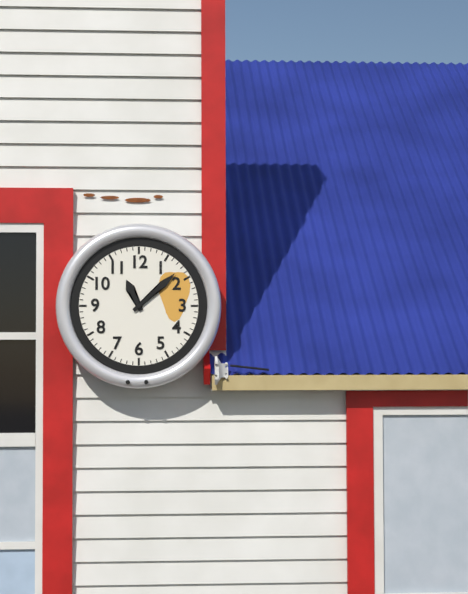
{"hour": 11, "minute": 8}
